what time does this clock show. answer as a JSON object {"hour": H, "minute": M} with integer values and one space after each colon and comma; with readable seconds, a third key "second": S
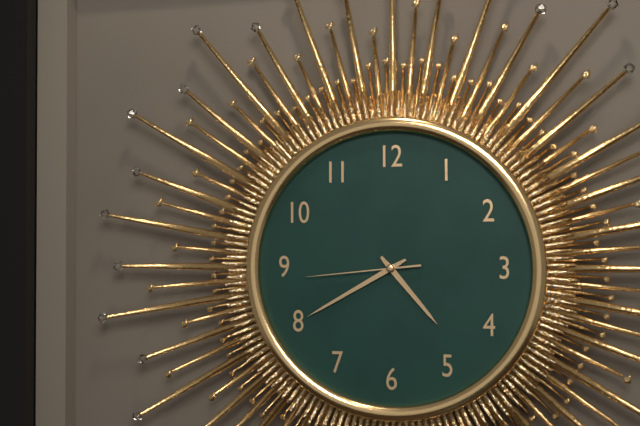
{"hour": 4, "minute": 40, "second": 44}
